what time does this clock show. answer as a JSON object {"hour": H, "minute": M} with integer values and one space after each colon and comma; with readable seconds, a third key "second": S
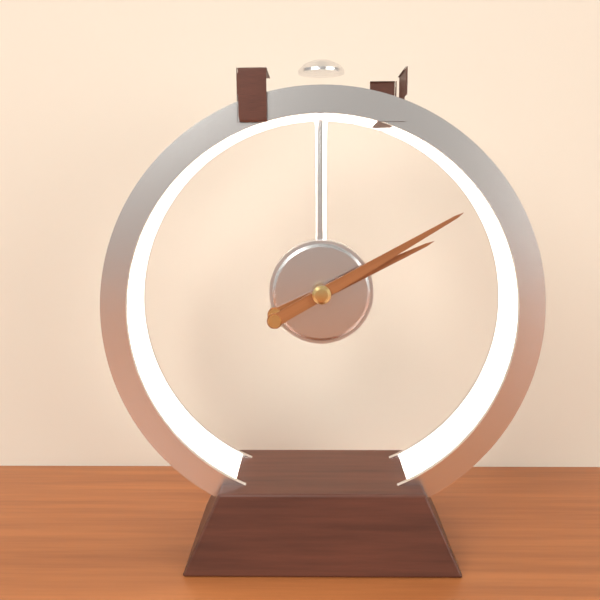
{"hour": 2, "minute": 10}
